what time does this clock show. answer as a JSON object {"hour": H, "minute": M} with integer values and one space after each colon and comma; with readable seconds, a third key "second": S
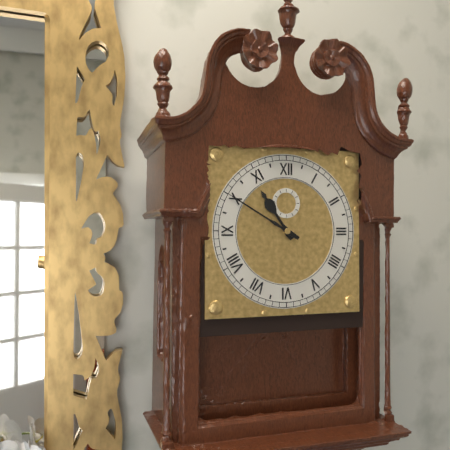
{"hour": 10, "minute": 50}
